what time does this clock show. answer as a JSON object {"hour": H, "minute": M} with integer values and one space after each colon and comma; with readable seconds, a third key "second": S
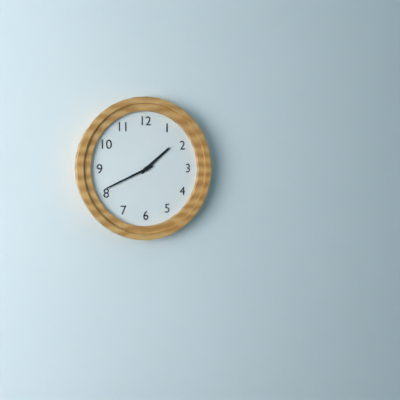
{"hour": 1, "minute": 41}
